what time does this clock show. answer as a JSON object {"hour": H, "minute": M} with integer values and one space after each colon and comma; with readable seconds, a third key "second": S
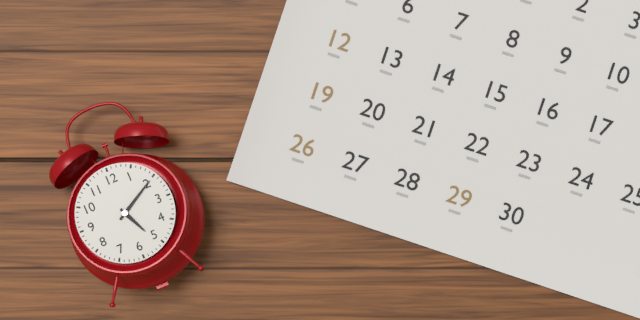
{"hour": 5, "minute": 10}
